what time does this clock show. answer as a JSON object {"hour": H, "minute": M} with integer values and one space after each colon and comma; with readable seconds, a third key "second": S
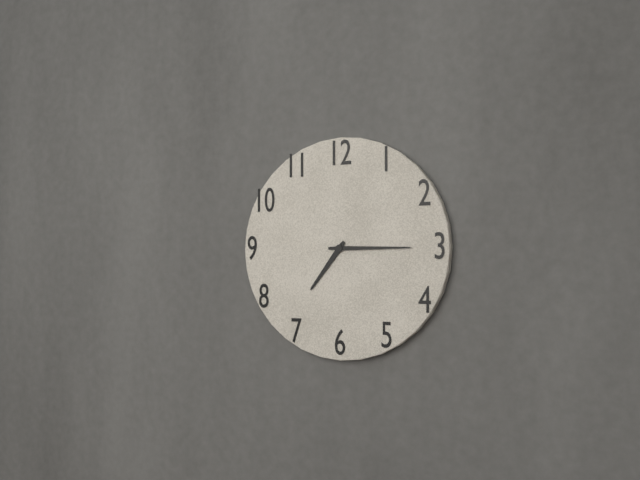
{"hour": 7, "minute": 15}
